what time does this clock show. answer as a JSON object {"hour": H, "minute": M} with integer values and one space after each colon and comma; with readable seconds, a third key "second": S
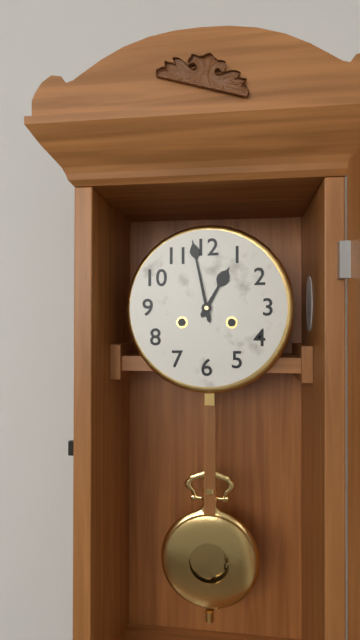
{"hour": 12, "minute": 58}
